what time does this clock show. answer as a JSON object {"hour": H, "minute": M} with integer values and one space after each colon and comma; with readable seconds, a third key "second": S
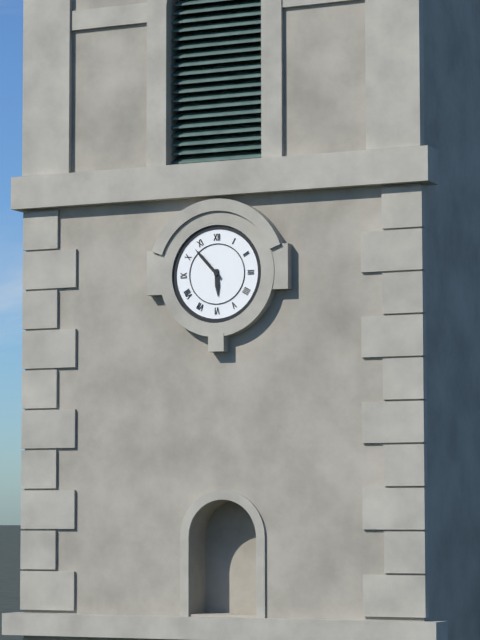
{"hour": 5, "minute": 53}
